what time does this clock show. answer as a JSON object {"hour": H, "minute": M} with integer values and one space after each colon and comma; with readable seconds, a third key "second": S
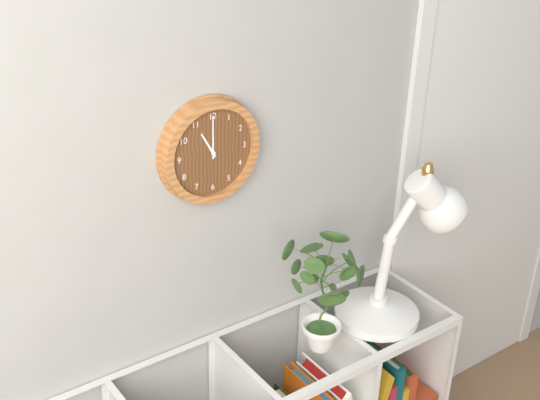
{"hour": 11, "minute": 0}
